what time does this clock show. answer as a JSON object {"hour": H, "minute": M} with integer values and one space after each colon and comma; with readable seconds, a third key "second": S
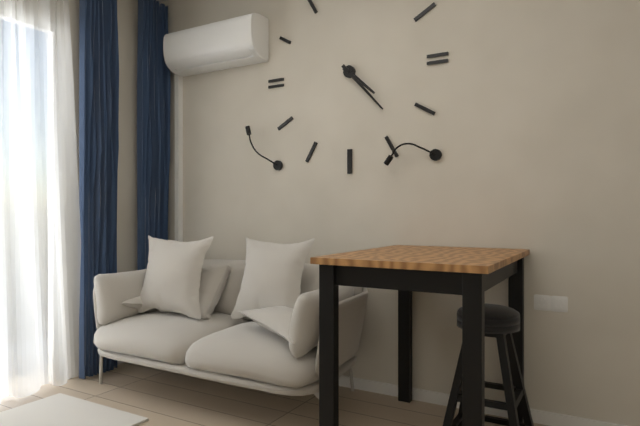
{"hour": 4, "minute": 23}
